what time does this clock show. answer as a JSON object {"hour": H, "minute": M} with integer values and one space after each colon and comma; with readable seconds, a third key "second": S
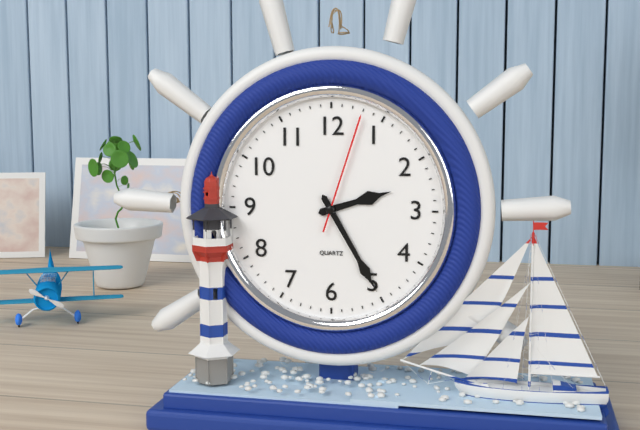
{"hour": 2, "minute": 25, "second": 3}
